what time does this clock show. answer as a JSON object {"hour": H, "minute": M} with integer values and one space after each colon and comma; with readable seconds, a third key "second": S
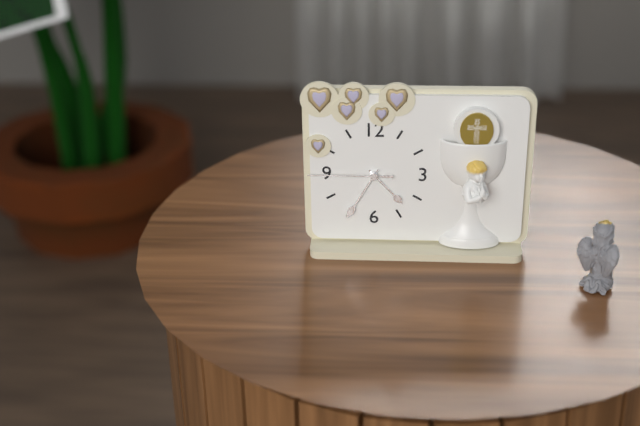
{"hour": 4, "minute": 35, "second": 45}
